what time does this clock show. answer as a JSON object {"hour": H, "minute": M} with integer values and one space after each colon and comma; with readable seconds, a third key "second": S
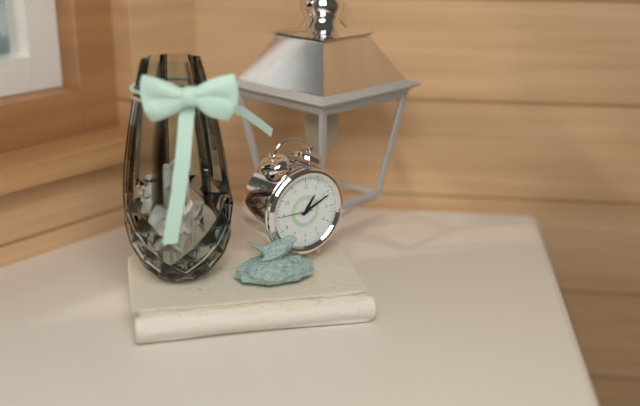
{"hour": 1, "minute": 11}
